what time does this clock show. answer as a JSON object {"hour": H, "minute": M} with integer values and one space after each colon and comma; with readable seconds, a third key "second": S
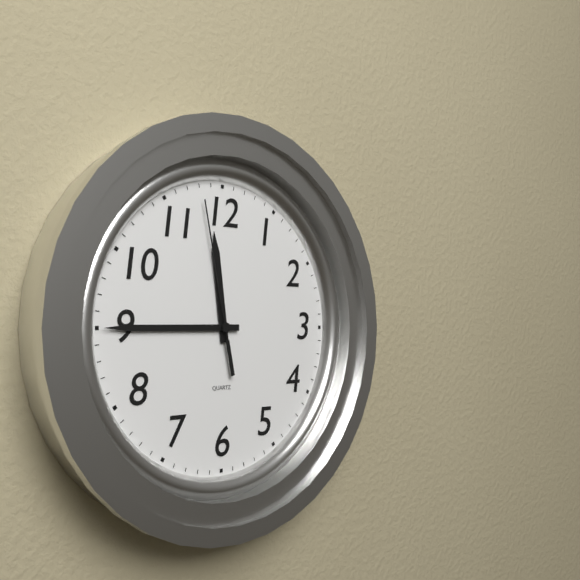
{"hour": 11, "minute": 45, "second": 58}
